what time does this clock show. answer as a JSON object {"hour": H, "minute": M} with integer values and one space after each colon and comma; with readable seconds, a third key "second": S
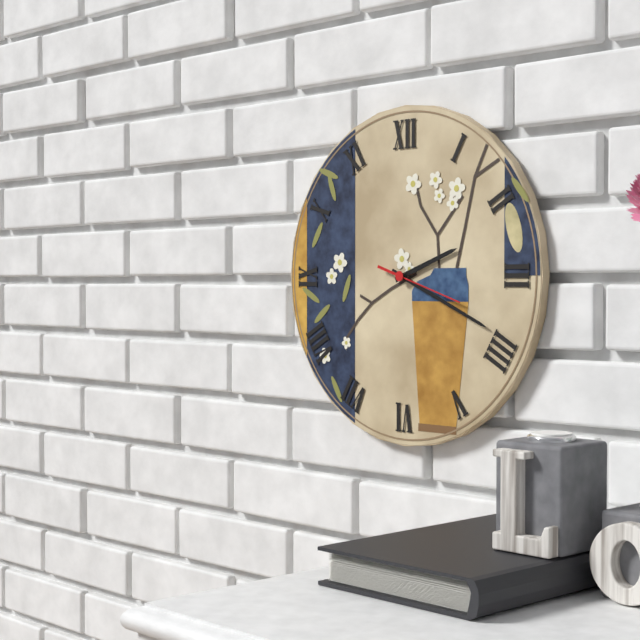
{"hour": 2, "minute": 19, "second": 18}
